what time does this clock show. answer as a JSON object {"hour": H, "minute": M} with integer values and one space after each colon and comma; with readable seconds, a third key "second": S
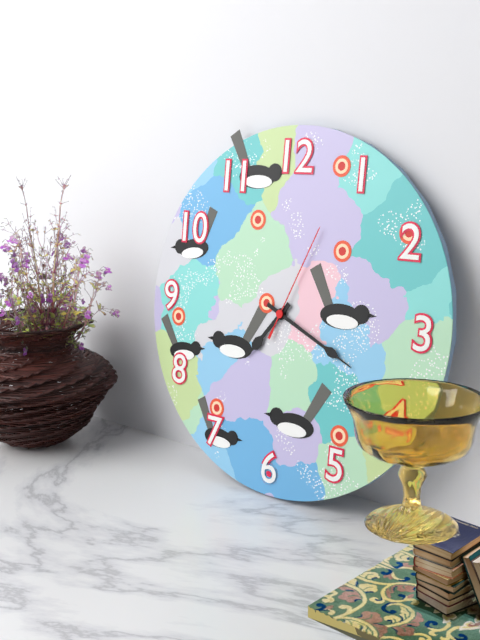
{"hour": 7, "minute": 19, "second": 4}
